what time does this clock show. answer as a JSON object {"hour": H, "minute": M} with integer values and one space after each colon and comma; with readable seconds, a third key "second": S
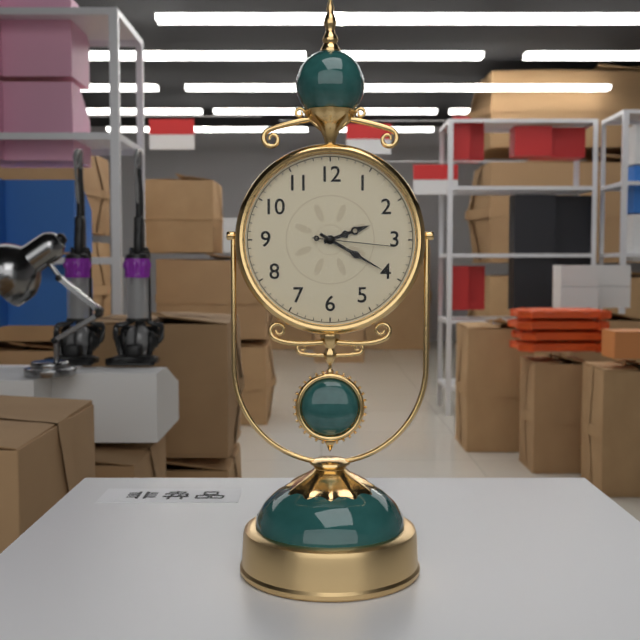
{"hour": 2, "minute": 20, "second": 16}
